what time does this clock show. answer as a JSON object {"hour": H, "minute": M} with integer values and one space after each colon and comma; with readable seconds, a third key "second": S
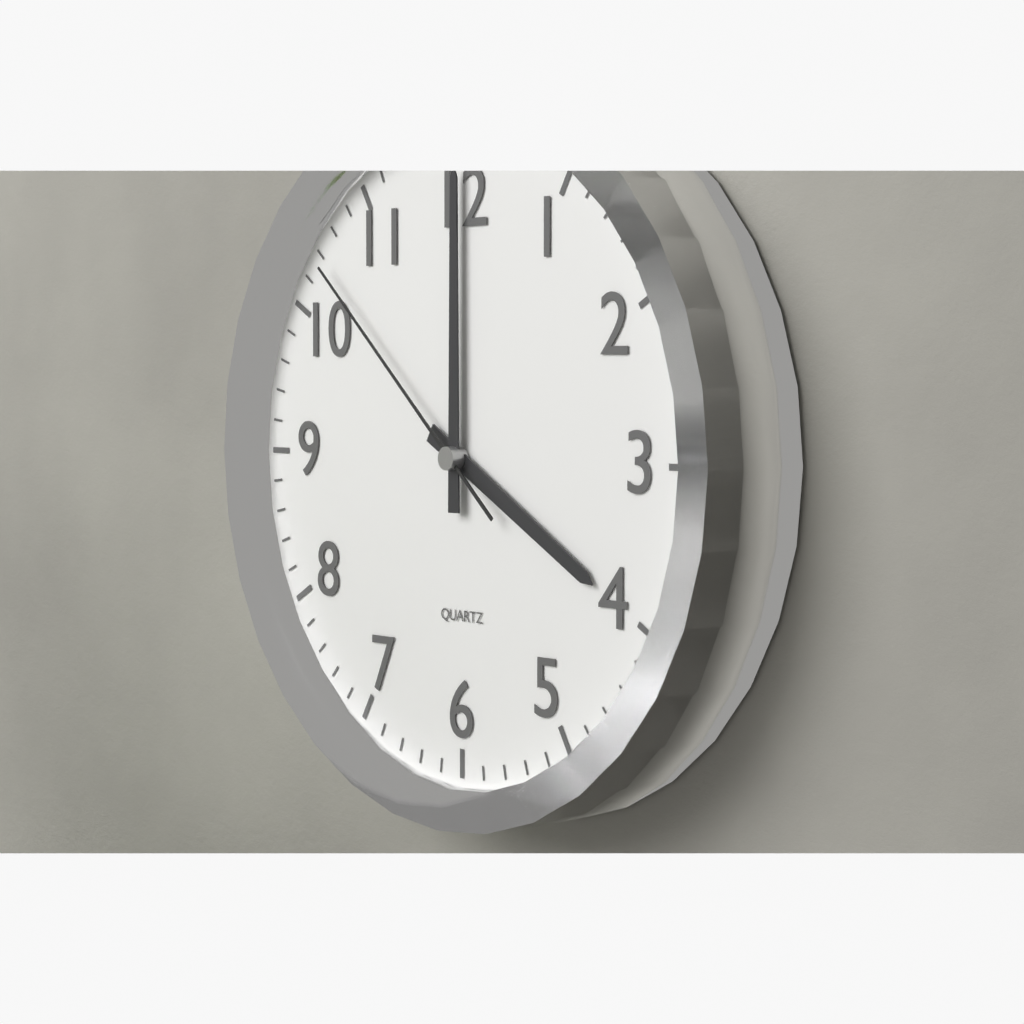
{"hour": 4, "minute": 0, "second": 52}
